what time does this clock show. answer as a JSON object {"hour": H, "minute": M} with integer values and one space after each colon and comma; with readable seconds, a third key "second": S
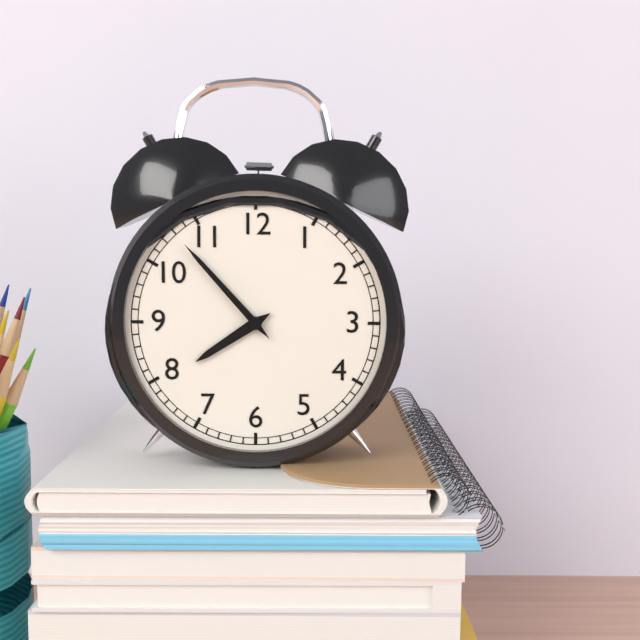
{"hour": 7, "minute": 53}
